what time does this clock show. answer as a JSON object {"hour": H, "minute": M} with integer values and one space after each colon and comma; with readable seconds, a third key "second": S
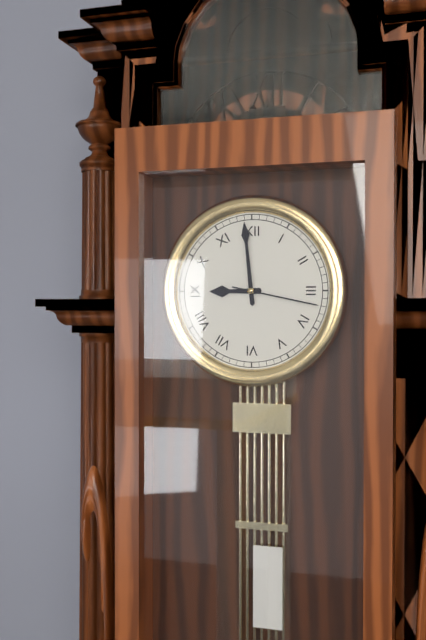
{"hour": 8, "minute": 59, "second": 17}
